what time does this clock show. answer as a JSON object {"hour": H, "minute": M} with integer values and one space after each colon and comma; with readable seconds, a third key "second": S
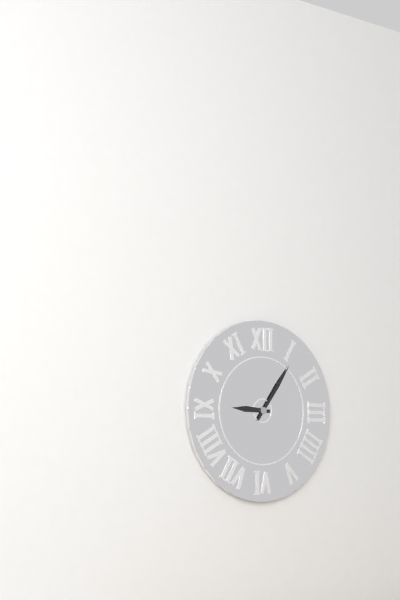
{"hour": 9, "minute": 6}
